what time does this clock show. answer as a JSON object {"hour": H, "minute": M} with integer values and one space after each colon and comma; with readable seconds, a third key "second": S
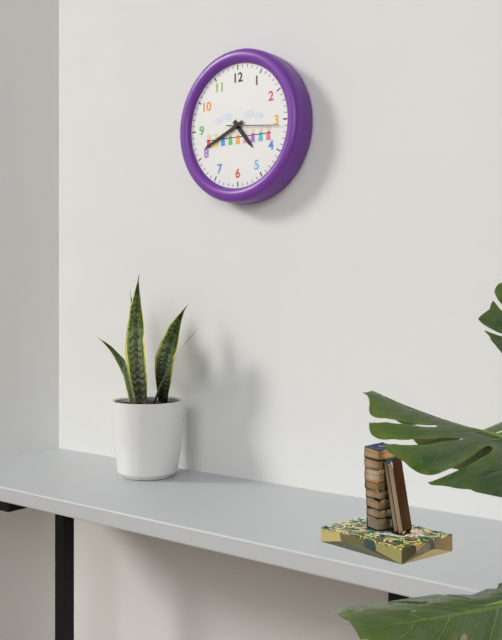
{"hour": 4, "minute": 41, "second": 16}
